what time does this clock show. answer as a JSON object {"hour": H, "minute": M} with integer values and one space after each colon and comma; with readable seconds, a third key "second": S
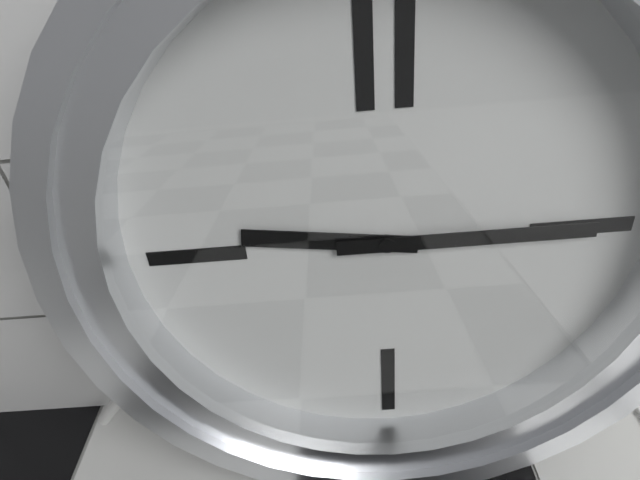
{"hour": 9, "minute": 15}
